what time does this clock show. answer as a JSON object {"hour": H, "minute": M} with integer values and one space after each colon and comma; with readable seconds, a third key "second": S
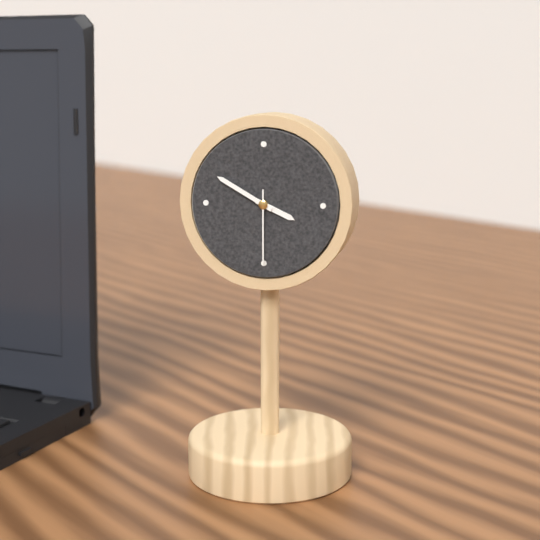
{"hour": 3, "minute": 50, "second": 30}
